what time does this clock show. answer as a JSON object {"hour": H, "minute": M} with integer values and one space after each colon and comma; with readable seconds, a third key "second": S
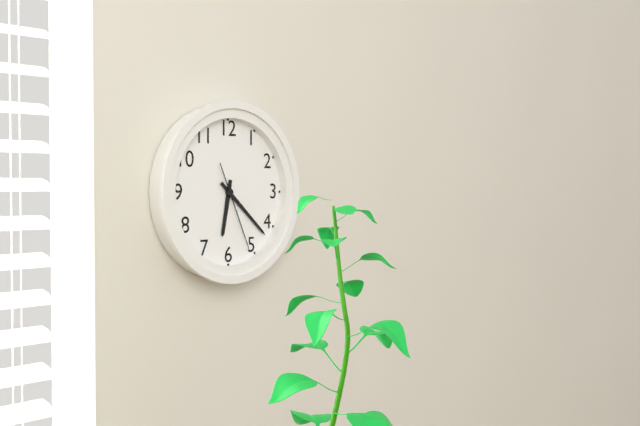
{"hour": 6, "minute": 22, "second": 26}
